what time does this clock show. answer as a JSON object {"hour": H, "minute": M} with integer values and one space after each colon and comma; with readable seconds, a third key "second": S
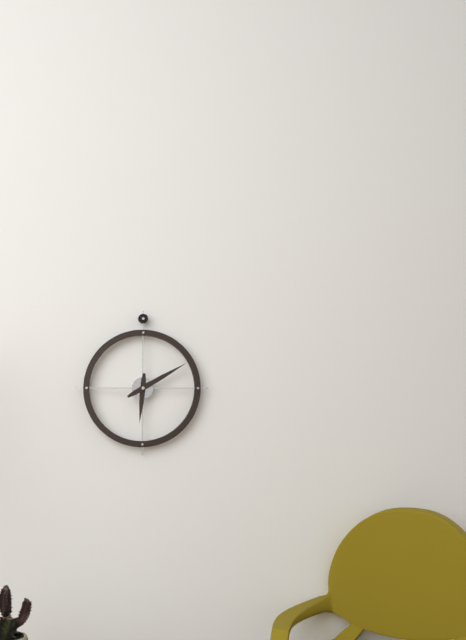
{"hour": 6, "minute": 10}
